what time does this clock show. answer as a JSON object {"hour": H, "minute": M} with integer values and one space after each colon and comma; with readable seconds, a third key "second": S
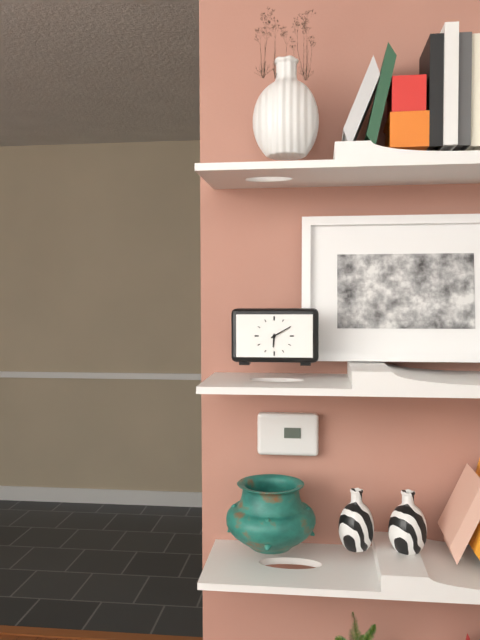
{"hour": 6, "minute": 10}
